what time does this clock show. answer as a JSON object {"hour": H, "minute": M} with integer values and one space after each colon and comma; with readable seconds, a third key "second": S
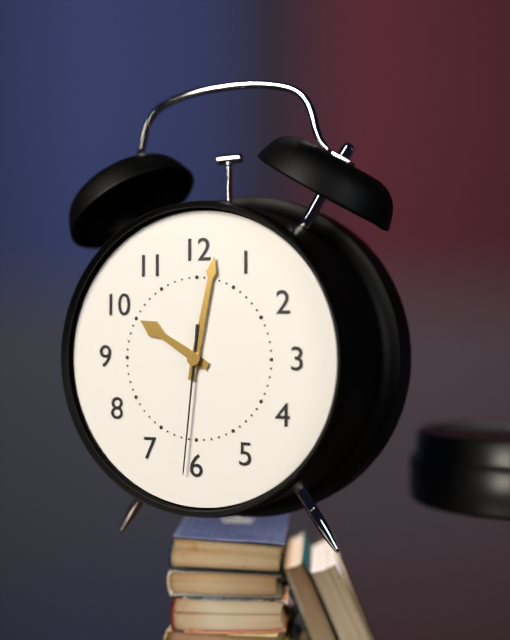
{"hour": 10, "minute": 2, "second": 31}
